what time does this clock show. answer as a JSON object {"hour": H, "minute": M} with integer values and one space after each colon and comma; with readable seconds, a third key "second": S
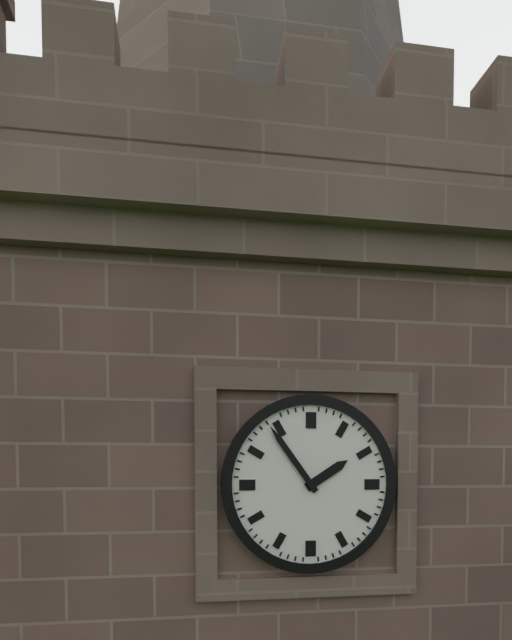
{"hour": 1, "minute": 54}
